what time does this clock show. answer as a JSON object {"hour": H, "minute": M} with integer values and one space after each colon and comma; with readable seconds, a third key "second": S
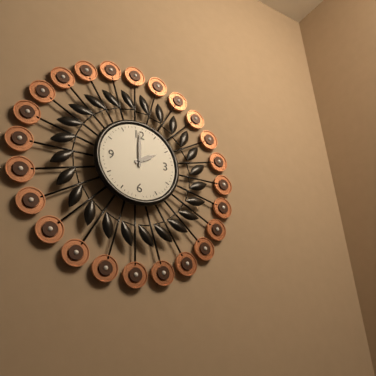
{"hour": 2, "minute": 0}
